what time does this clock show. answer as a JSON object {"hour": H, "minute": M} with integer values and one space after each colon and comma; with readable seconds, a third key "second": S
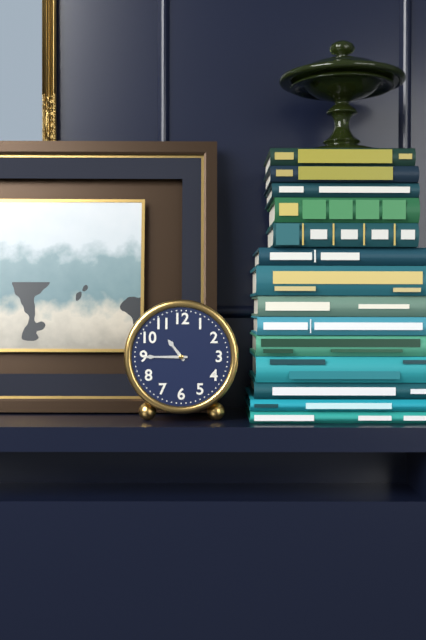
{"hour": 10, "minute": 45}
